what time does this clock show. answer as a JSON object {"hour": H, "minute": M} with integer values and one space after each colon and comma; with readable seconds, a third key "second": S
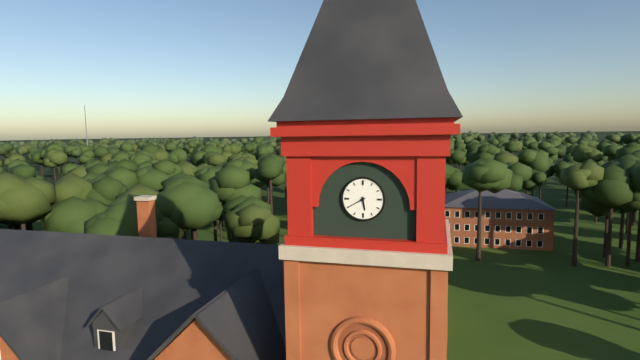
{"hour": 5, "minute": 40}
